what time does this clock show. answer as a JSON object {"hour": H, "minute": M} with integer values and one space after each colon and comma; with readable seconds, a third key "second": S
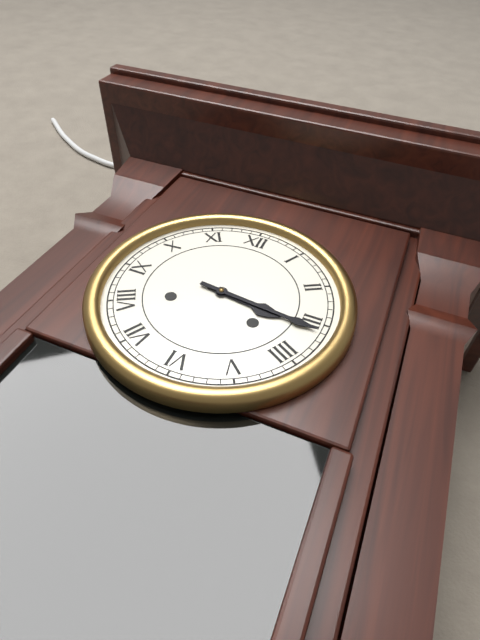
{"hour": 3, "minute": 16}
